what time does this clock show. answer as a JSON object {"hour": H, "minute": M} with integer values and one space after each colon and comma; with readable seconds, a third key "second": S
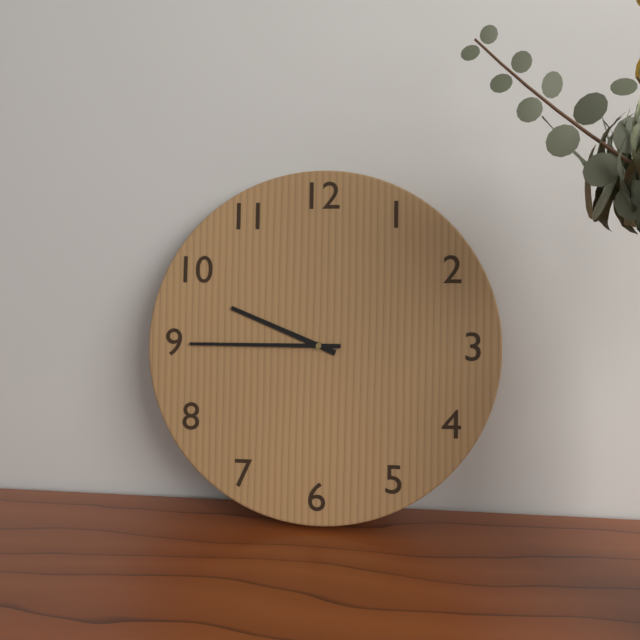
{"hour": 9, "minute": 45}
